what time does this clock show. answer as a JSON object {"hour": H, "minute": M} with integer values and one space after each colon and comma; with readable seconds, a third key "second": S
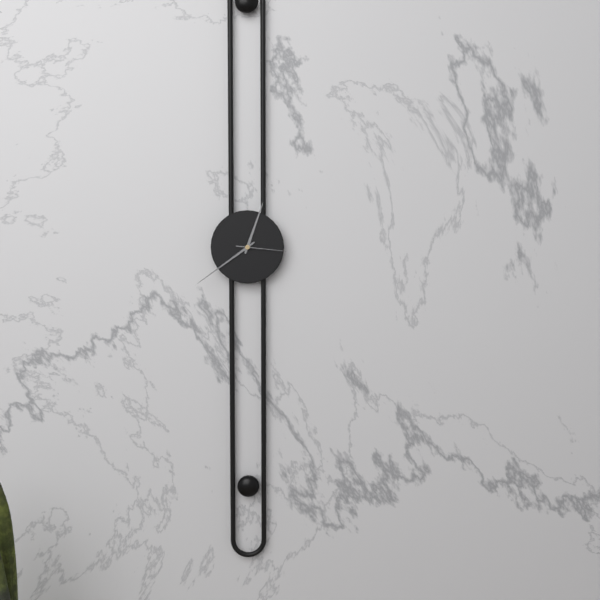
{"hour": 12, "minute": 39, "second": 16}
